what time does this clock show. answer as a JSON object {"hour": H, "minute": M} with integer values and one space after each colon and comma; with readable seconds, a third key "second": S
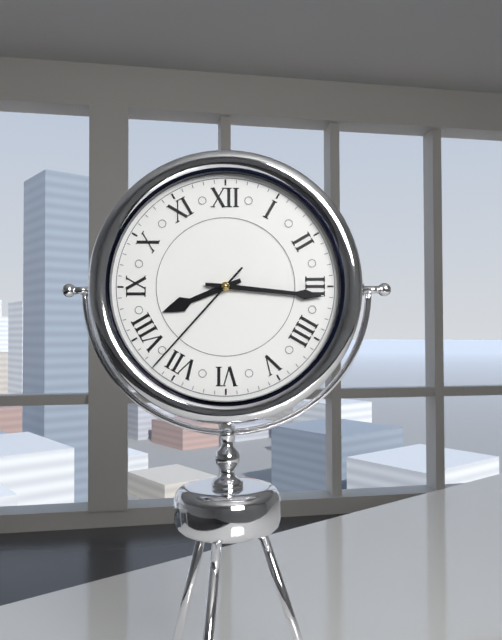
{"hour": 8, "minute": 16, "second": 37}
